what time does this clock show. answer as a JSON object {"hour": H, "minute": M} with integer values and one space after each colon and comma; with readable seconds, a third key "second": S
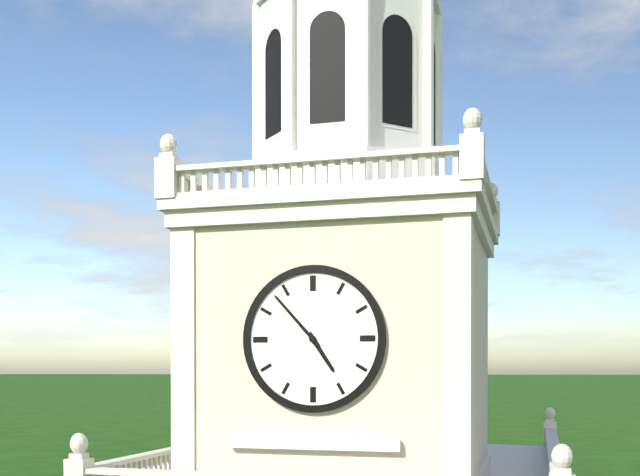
{"hour": 4, "minute": 53}
